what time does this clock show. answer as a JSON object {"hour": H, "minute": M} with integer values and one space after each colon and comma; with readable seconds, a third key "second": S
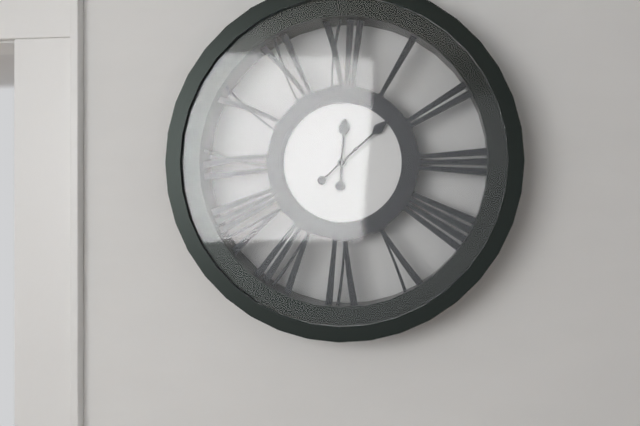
{"hour": 12, "minute": 8}
